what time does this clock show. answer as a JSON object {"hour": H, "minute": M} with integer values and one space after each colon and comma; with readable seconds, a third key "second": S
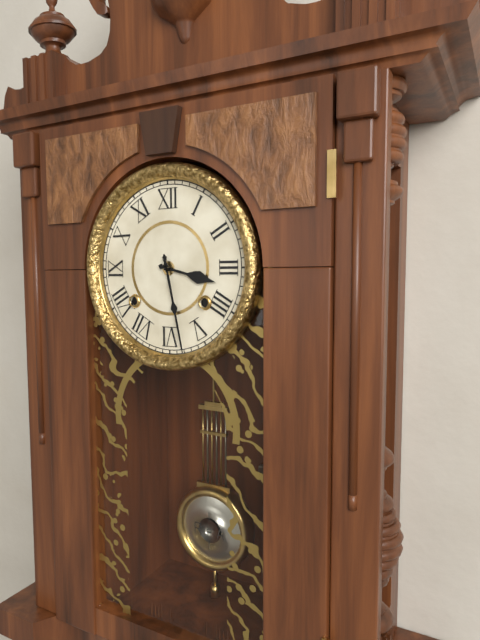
{"hour": 3, "minute": 28}
